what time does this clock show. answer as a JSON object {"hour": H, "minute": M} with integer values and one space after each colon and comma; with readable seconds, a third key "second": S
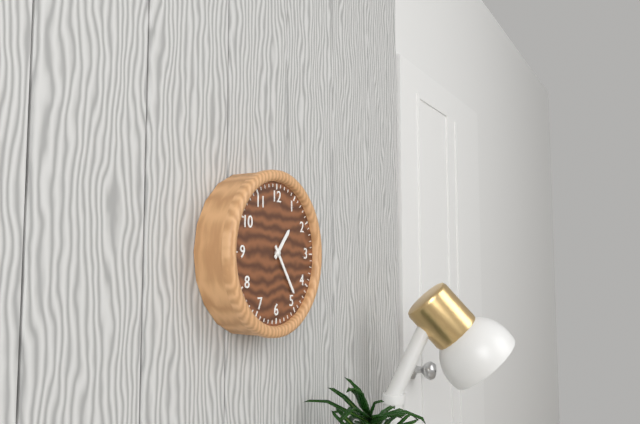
{"hour": 1, "minute": 24}
